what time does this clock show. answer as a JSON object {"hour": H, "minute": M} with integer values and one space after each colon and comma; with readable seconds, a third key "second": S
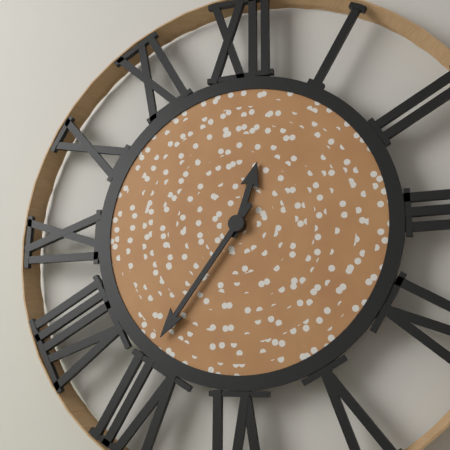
{"hour": 12, "minute": 36}
